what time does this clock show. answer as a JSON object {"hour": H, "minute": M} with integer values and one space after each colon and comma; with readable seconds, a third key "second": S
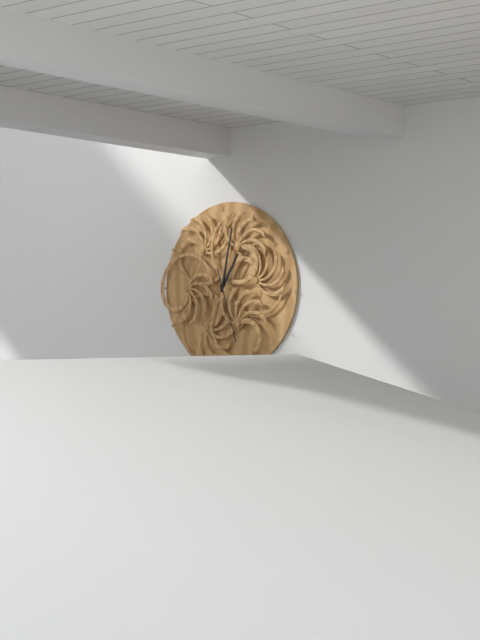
{"hour": 1, "minute": 2, "second": 27}
